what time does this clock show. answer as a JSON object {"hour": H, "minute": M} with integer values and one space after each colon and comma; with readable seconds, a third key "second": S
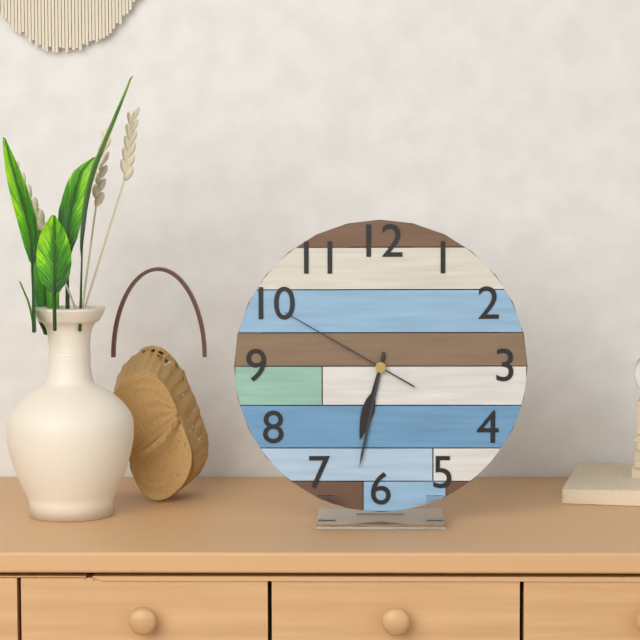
{"hour": 6, "minute": 32, "second": 50}
